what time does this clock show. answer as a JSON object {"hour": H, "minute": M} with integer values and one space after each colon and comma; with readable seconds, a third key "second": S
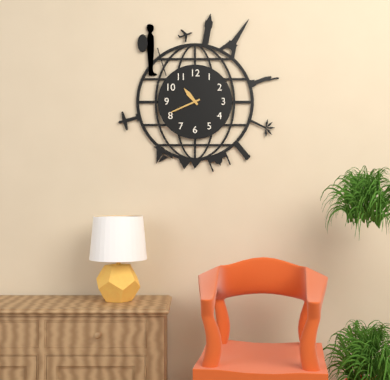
{"hour": 10, "minute": 41}
